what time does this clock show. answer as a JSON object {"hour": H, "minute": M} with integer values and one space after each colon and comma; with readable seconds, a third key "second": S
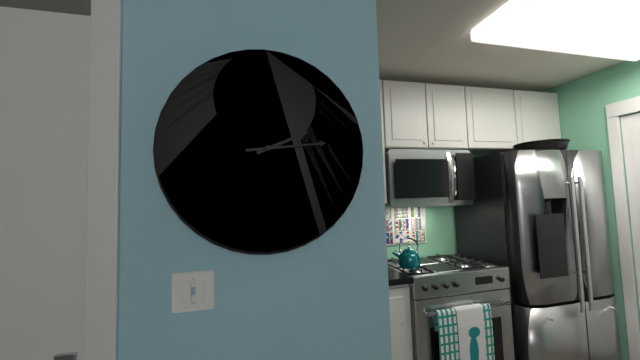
{"hour": 2, "minute": 14}
